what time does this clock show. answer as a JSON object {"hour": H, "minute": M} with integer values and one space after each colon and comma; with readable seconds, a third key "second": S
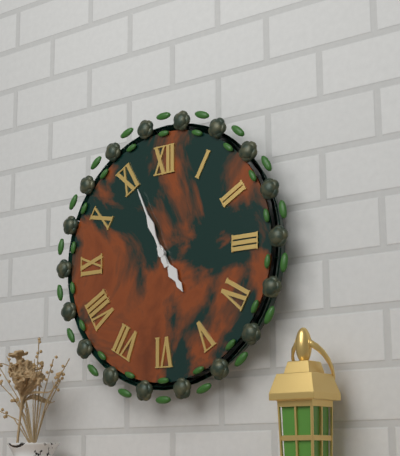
{"hour": 4, "minute": 56}
